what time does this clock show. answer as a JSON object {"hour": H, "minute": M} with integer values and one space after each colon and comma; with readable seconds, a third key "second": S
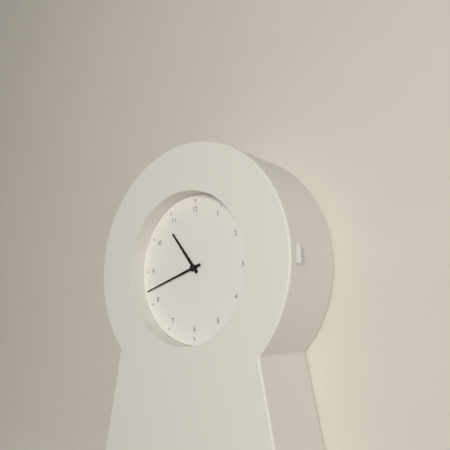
{"hour": 10, "minute": 42}
